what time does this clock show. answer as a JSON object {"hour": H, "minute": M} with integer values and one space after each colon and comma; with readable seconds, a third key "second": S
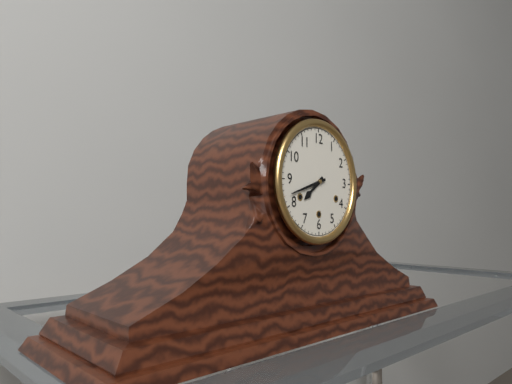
{"hour": 7, "minute": 42}
